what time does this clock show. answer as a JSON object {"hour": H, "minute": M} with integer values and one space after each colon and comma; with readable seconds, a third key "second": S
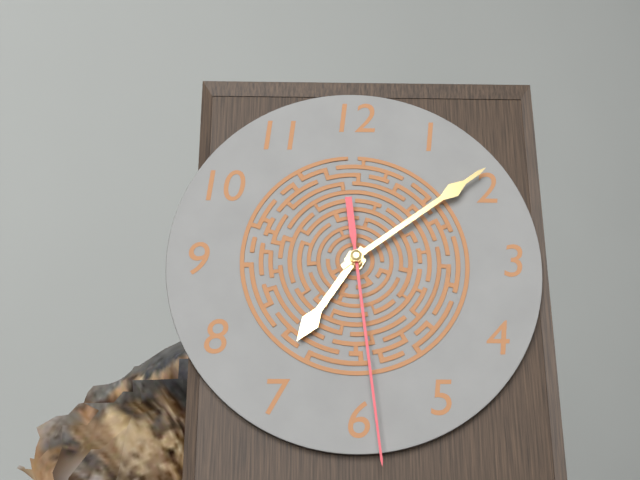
{"hour": 7, "minute": 9, "second": 29}
